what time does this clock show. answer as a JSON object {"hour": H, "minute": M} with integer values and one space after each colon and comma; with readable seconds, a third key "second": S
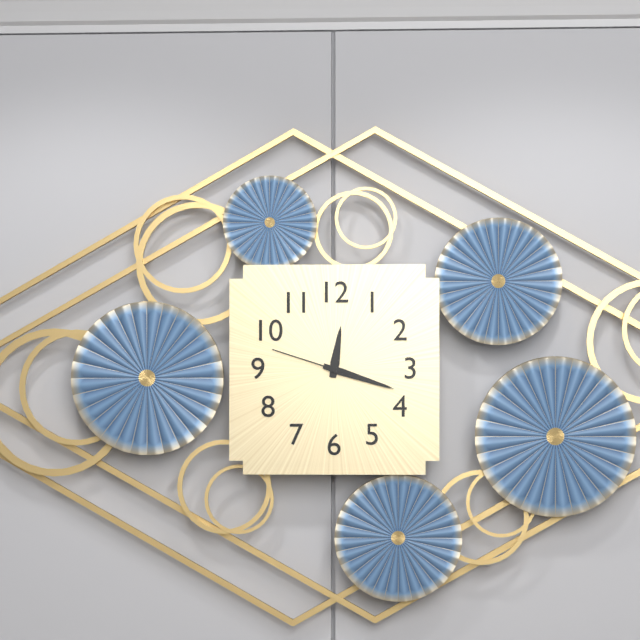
{"hour": 12, "minute": 18, "second": 48}
